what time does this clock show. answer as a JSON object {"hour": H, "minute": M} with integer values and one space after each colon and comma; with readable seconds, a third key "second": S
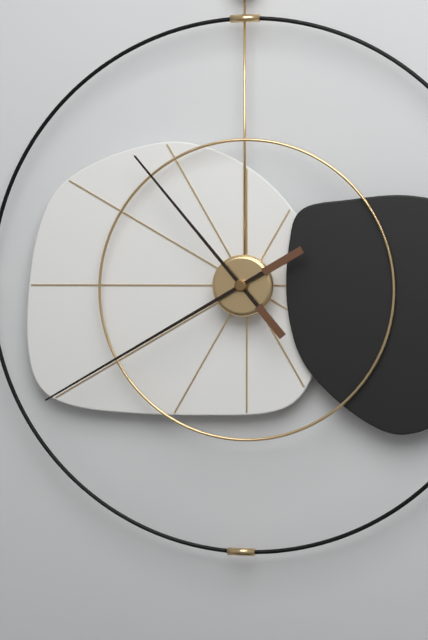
{"hour": 10, "minute": 40}
